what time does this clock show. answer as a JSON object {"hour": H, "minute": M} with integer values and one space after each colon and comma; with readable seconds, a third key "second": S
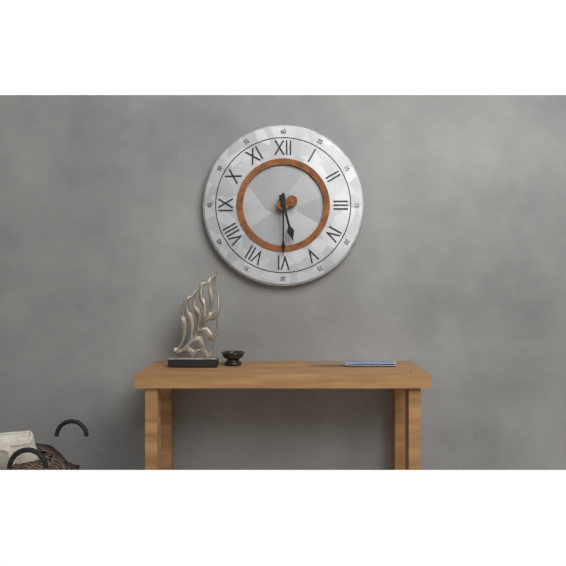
{"hour": 5, "minute": 30}
